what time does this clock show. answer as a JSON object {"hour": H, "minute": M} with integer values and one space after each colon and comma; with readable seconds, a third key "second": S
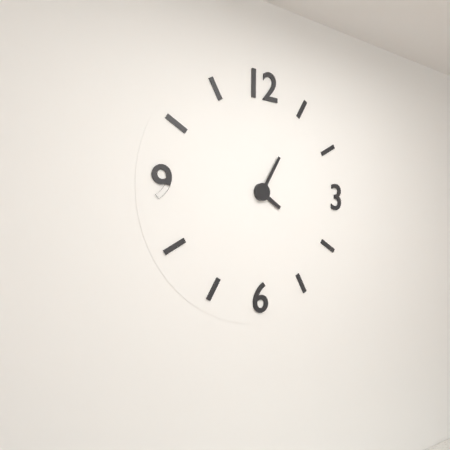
{"hour": 4, "minute": 5}
